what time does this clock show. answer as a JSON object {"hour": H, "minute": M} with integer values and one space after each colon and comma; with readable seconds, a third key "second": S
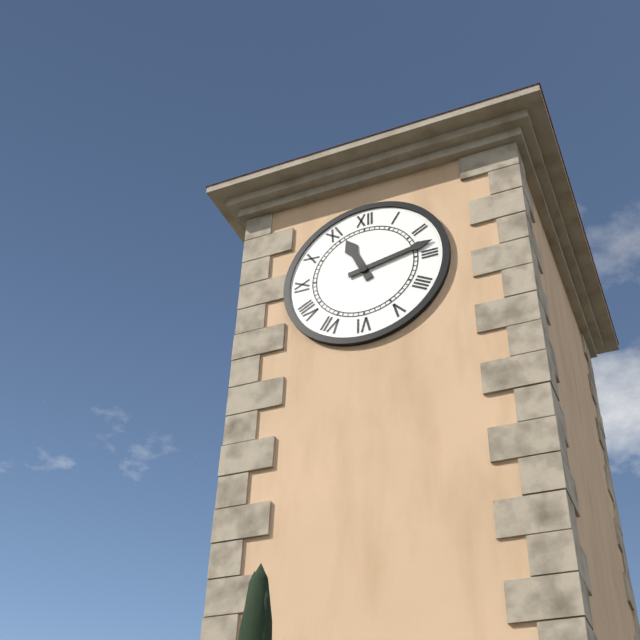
{"hour": 11, "minute": 13}
